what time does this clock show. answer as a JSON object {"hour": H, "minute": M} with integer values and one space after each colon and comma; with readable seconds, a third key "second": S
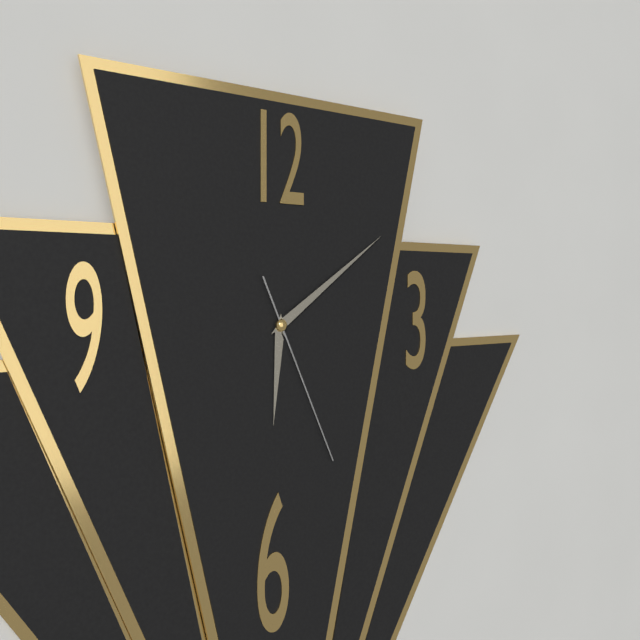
{"hour": 6, "minute": 9, "second": 26}
